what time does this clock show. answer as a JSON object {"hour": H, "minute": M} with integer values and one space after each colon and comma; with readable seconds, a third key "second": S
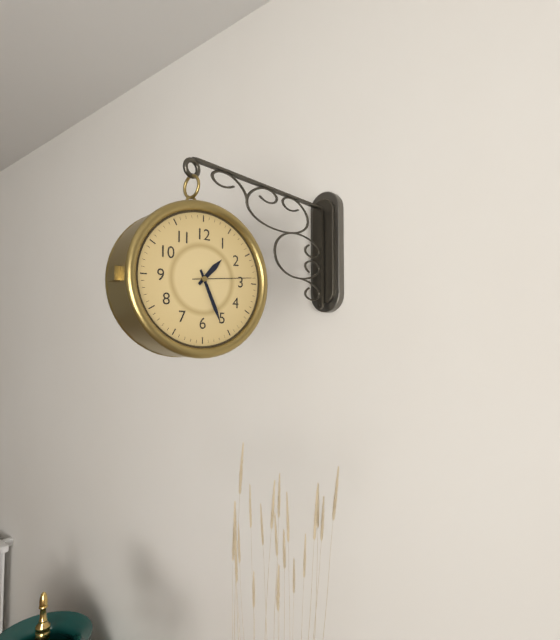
{"hour": 1, "minute": 26, "second": 14}
